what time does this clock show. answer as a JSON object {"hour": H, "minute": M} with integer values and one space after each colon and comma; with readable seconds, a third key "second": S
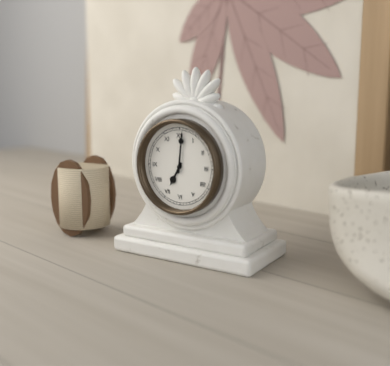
{"hour": 7, "minute": 1}
